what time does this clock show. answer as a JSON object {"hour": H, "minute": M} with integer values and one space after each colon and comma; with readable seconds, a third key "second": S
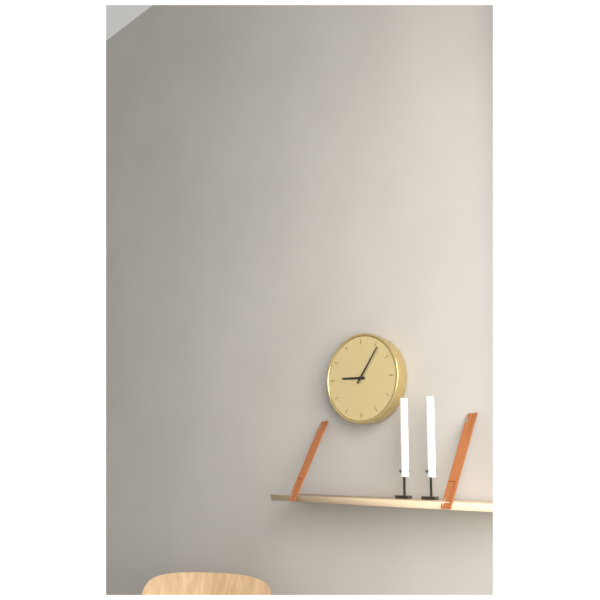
{"hour": 9, "minute": 6}
